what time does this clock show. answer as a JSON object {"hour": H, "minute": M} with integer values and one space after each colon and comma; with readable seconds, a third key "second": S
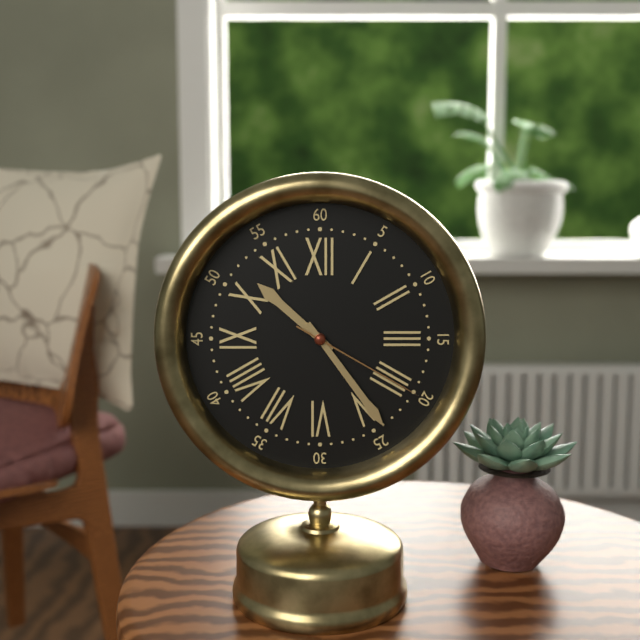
{"hour": 10, "minute": 24, "second": 20}
